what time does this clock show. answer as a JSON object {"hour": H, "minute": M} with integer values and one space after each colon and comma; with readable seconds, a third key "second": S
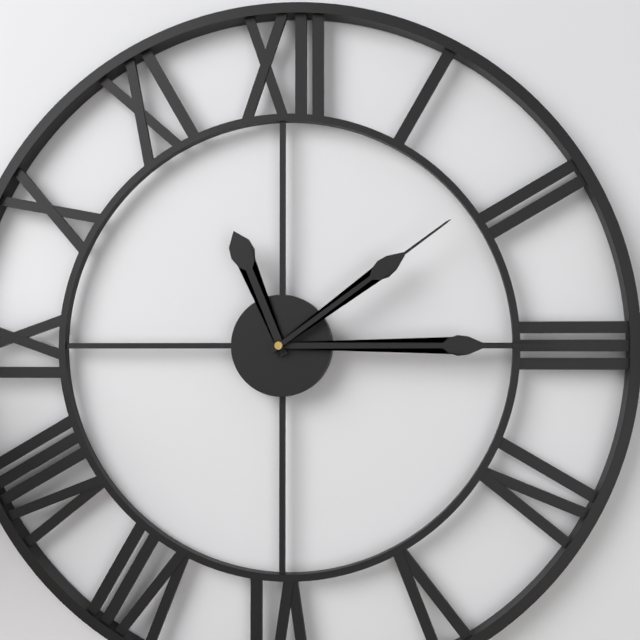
{"hour": 11, "minute": 15, "second": 9}
